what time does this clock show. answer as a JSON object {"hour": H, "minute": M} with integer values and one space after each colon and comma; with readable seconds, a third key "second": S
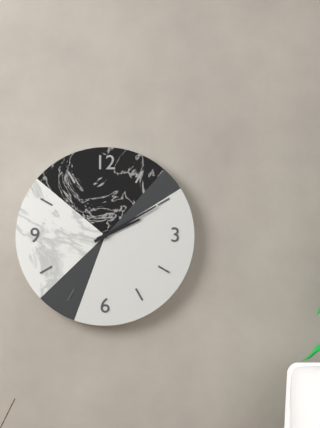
{"hour": 2, "minute": 10}
